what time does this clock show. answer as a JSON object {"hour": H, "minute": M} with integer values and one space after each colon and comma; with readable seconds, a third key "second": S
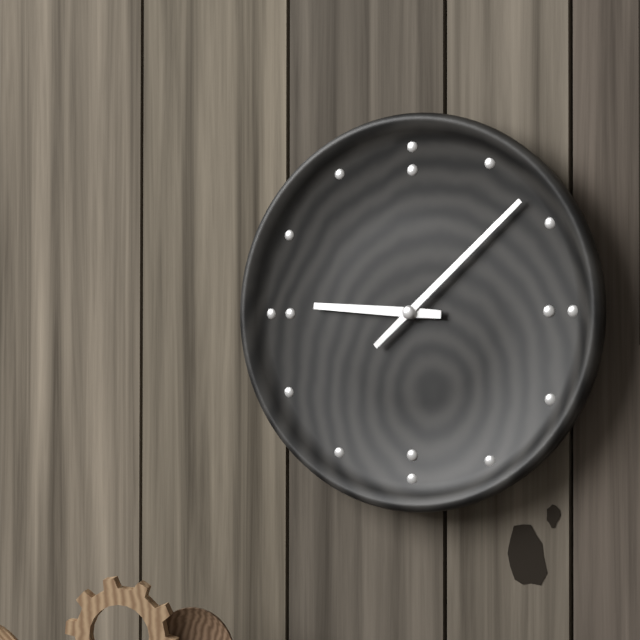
{"hour": 9, "minute": 8}
